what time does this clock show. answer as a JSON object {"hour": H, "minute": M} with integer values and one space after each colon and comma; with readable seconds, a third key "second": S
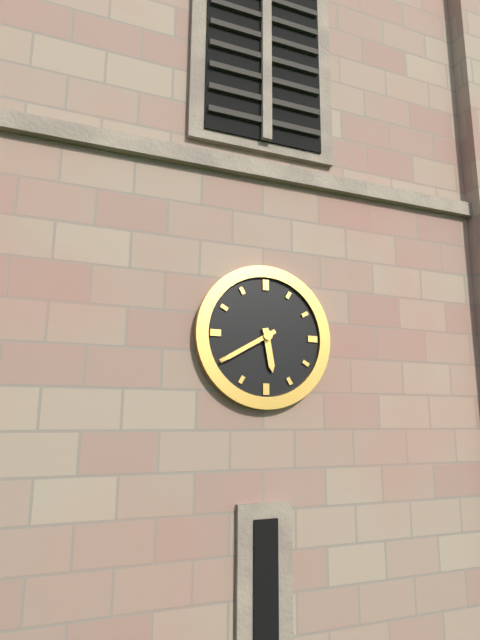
{"hour": 5, "minute": 40}
